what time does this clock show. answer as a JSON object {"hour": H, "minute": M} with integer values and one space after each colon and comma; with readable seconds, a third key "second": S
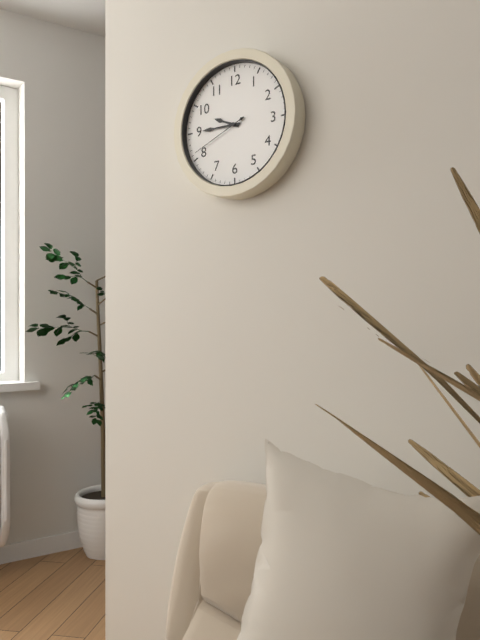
{"hour": 9, "minute": 45, "second": 41}
